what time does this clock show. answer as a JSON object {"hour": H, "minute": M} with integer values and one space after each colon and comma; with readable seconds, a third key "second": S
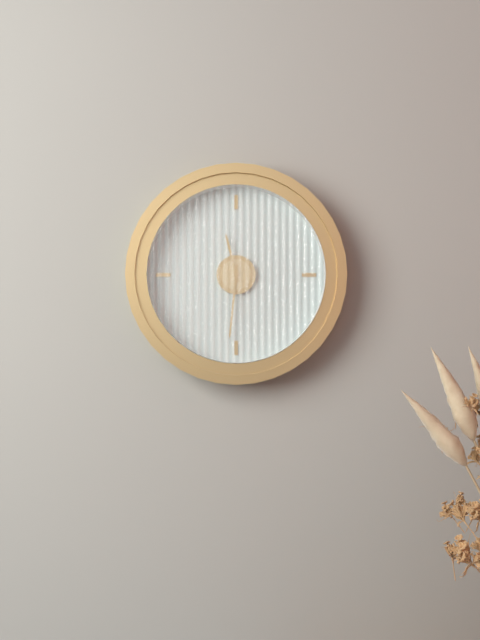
{"hour": 11, "minute": 31}
